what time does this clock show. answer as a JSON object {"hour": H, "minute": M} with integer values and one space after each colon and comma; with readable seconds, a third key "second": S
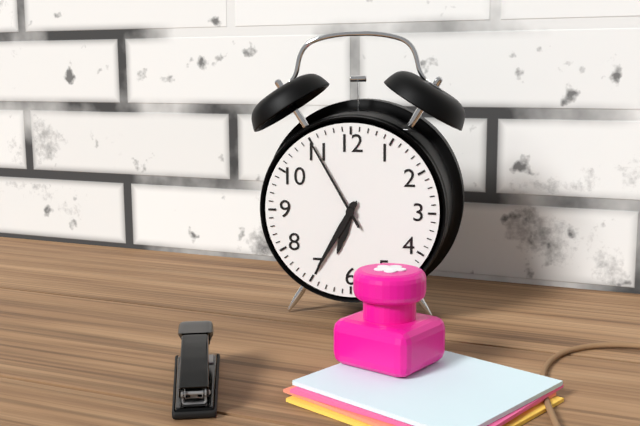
{"hour": 6, "minute": 35, "second": 55}
